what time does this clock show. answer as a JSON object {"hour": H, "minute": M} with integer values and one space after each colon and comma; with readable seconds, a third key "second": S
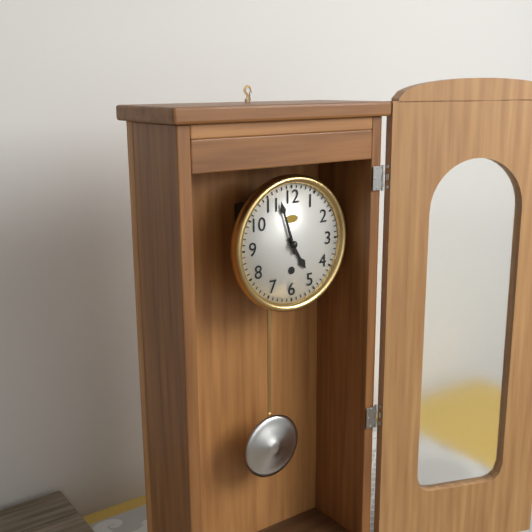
{"hour": 4, "minute": 57}
